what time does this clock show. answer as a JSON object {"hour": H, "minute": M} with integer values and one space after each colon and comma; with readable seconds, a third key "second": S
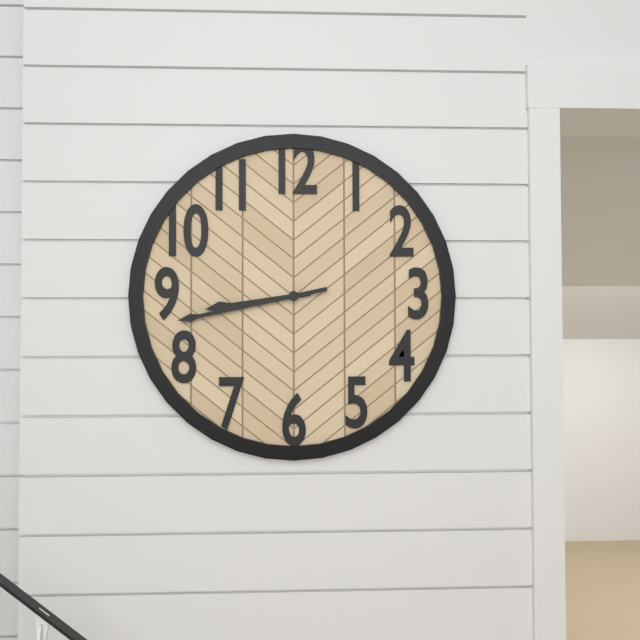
{"hour": 8, "minute": 43}
